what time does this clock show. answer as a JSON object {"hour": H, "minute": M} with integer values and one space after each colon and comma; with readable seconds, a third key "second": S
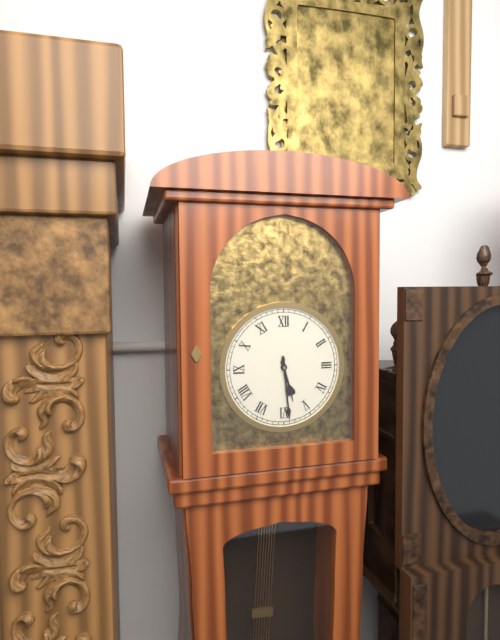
{"hour": 5, "minute": 29}
